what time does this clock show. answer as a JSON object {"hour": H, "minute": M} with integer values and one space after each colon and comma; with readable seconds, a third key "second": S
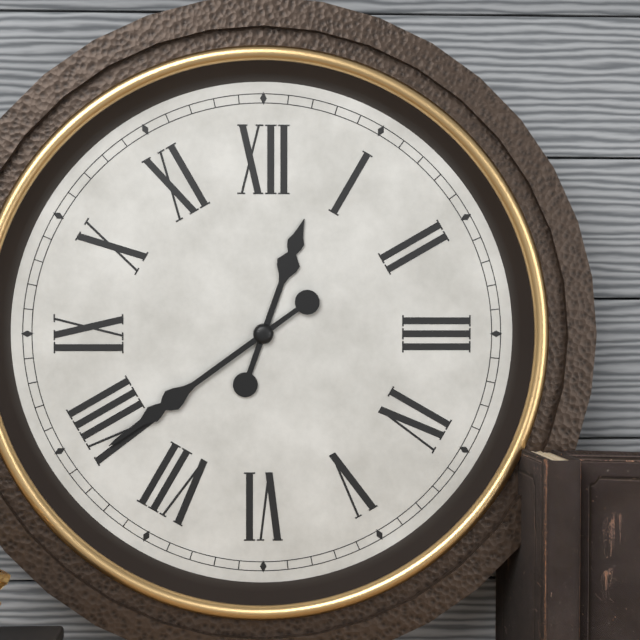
{"hour": 12, "minute": 39}
